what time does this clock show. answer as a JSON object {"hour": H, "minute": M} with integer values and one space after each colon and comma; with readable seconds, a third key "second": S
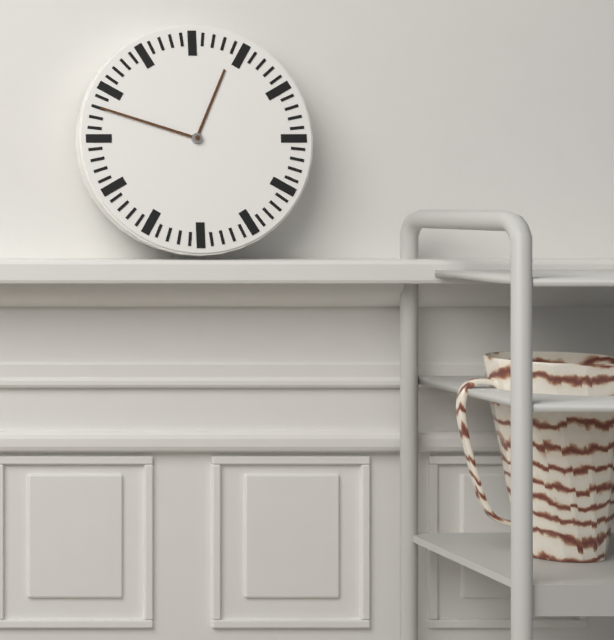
{"hour": 12, "minute": 48}
